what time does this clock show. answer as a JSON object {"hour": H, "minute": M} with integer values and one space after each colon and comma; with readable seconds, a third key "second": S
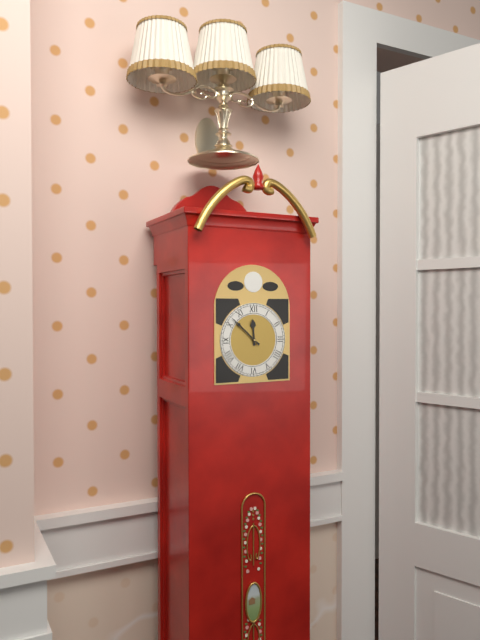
{"hour": 11, "minute": 52}
